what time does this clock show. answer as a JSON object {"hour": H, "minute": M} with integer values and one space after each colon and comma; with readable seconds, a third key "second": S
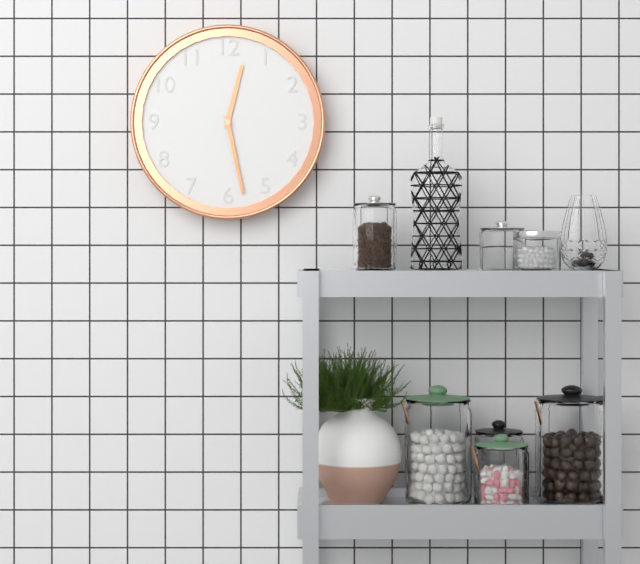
{"hour": 12, "minute": 28}
